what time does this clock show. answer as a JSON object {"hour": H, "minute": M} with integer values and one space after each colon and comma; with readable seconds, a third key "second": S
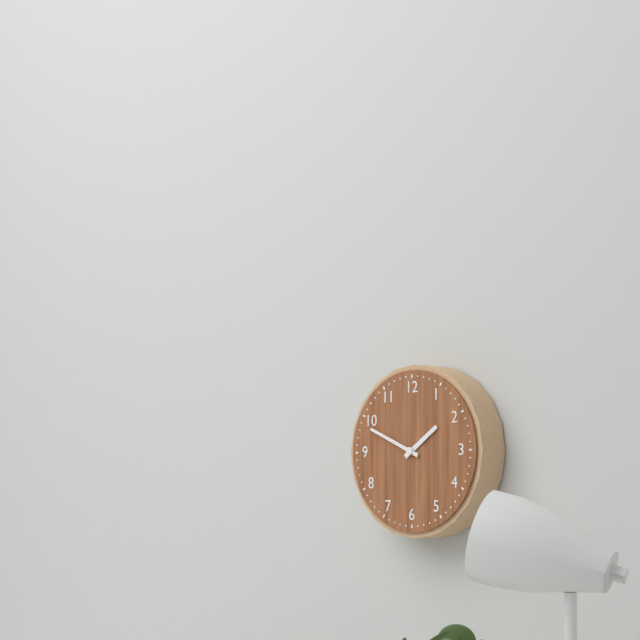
{"hour": 1, "minute": 49}
